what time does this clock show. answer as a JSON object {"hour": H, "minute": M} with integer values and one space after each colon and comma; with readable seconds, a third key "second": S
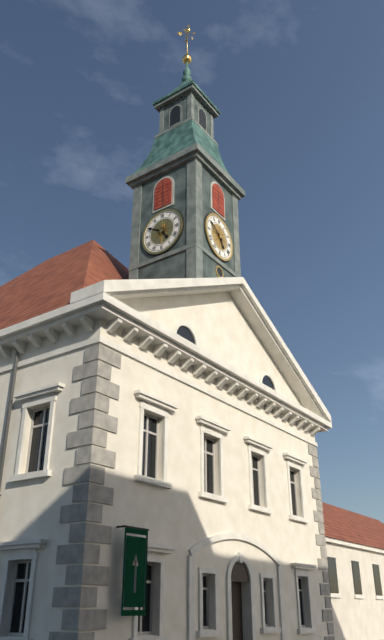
{"hour": 4, "minute": 50}
